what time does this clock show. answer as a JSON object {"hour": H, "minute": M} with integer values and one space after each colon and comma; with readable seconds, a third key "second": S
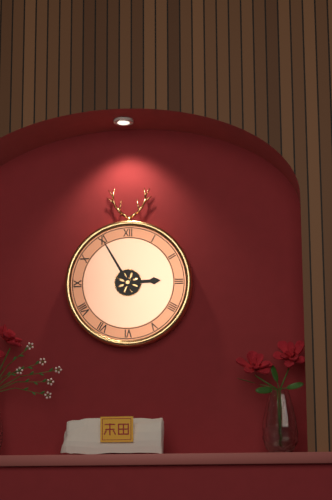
{"hour": 2, "minute": 55}
